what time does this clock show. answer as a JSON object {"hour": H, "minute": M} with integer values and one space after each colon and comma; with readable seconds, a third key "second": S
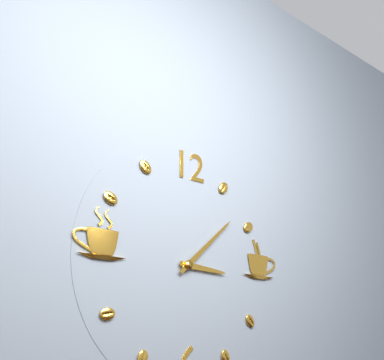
{"hour": 3, "minute": 8}
